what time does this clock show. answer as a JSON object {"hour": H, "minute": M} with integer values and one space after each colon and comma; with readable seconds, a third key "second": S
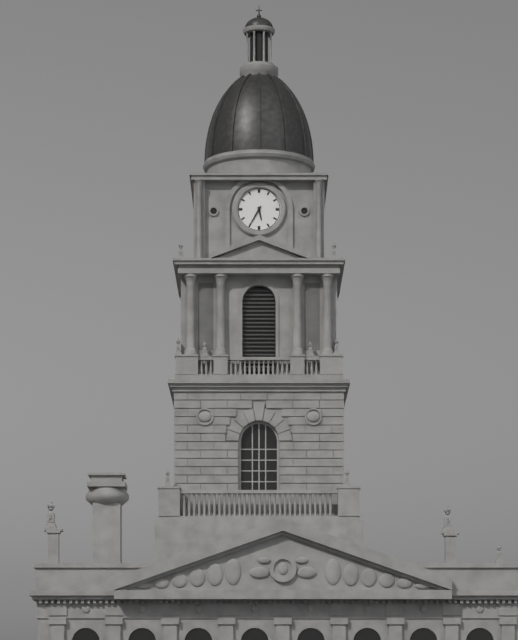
{"hour": 5, "minute": 35}
